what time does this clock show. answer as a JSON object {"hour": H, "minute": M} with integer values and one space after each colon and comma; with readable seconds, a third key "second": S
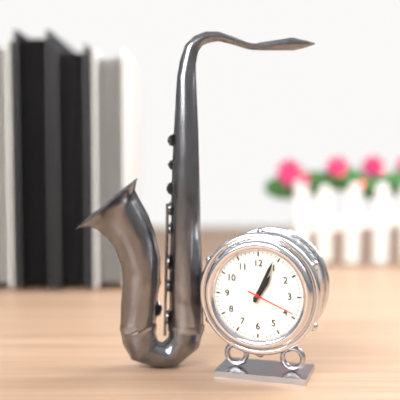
{"hour": 1, "minute": 4, "second": 19}
